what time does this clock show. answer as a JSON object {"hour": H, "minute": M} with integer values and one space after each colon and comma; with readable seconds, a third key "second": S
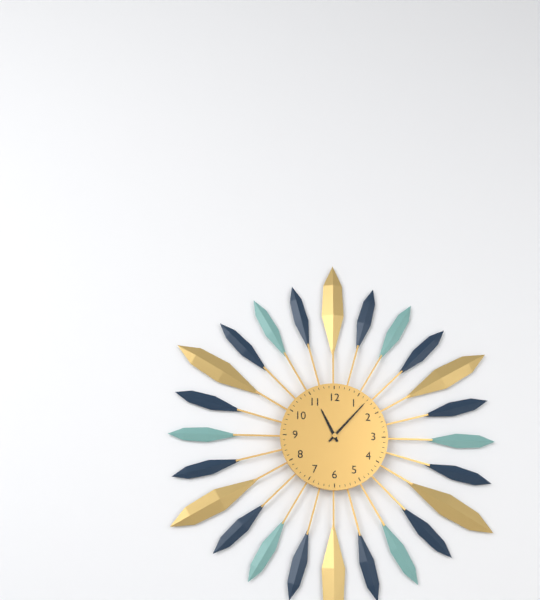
{"hour": 11, "minute": 7}
